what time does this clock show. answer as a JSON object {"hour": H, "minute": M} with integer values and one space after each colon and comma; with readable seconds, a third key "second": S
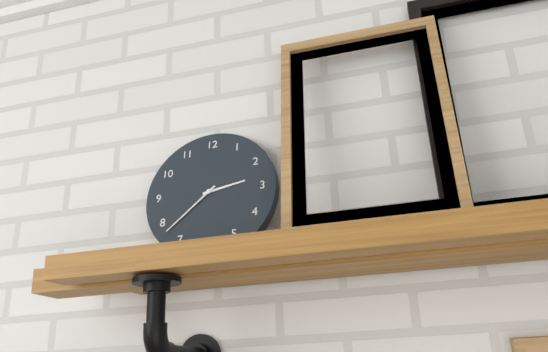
{"hour": 2, "minute": 38}
